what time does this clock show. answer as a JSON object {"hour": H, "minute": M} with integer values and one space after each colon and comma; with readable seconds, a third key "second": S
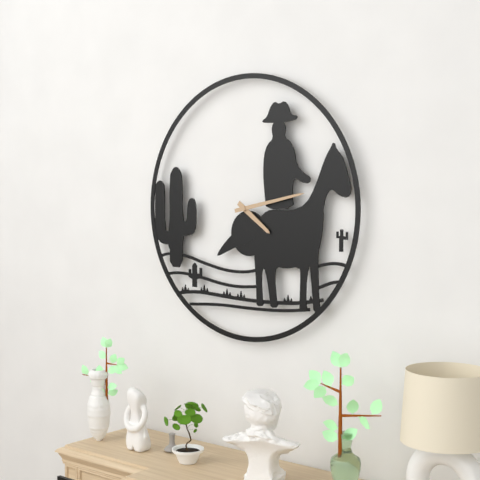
{"hour": 4, "minute": 13}
